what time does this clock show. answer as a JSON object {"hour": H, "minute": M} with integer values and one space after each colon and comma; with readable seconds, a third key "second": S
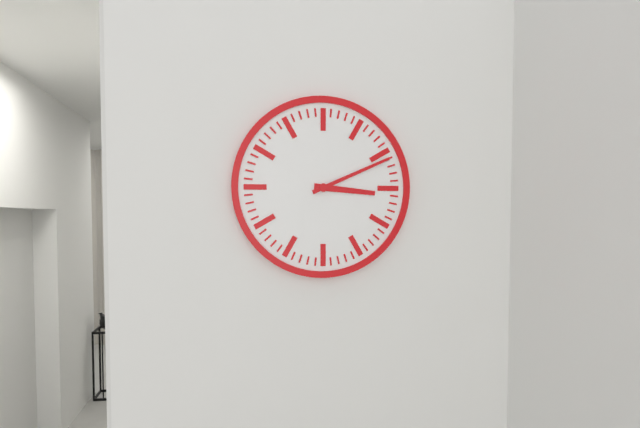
{"hour": 3, "minute": 11}
